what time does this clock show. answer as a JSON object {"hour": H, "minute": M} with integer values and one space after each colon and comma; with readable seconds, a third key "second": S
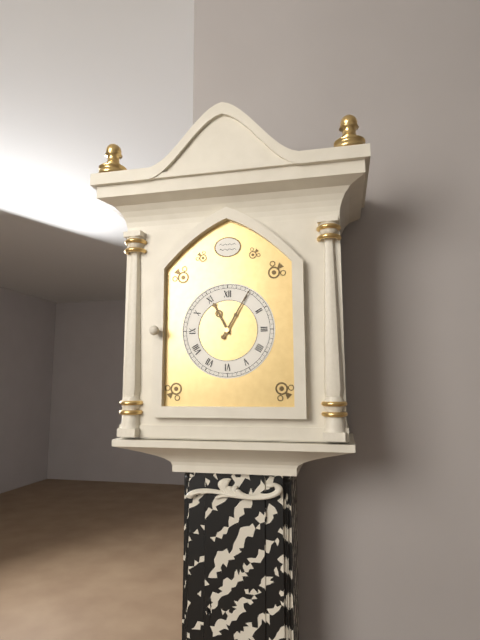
{"hour": 11, "minute": 5}
